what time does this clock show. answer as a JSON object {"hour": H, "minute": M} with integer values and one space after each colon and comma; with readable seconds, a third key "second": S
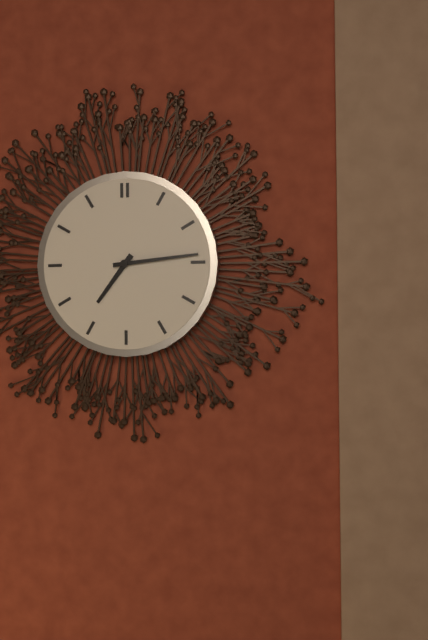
{"hour": 7, "minute": 14}
